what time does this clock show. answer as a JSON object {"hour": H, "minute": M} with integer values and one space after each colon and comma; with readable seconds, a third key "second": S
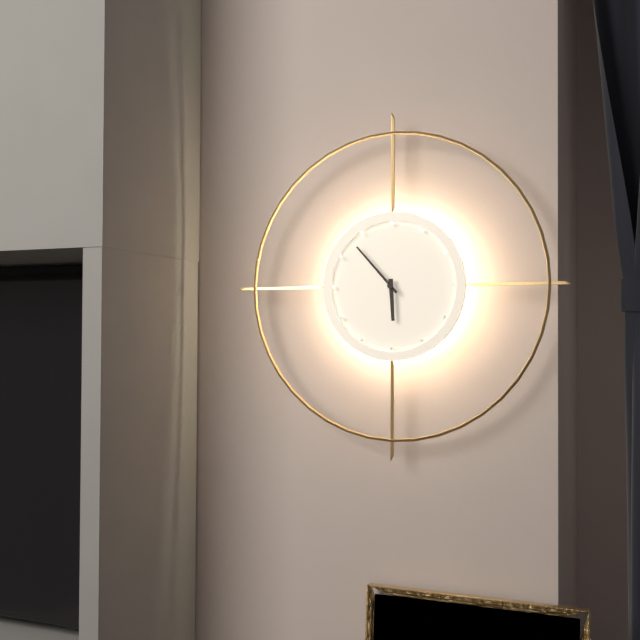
{"hour": 5, "minute": 53}
